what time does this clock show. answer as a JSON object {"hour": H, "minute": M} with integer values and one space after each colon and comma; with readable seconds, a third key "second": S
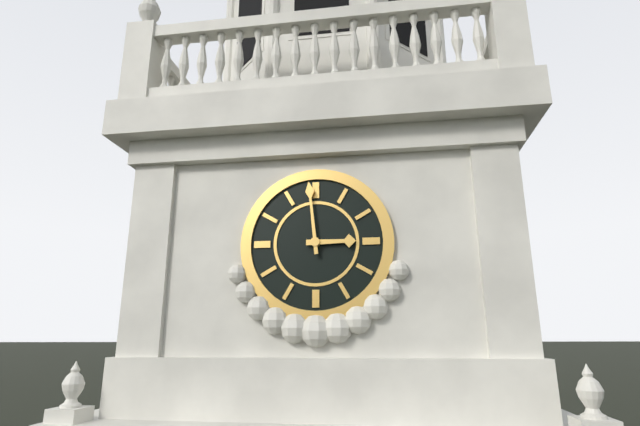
{"hour": 2, "minute": 59}
